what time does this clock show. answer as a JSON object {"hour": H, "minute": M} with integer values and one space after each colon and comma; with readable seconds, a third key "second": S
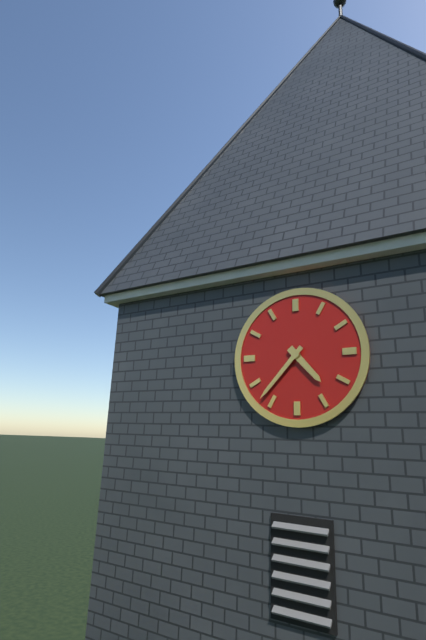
{"hour": 4, "minute": 37}
